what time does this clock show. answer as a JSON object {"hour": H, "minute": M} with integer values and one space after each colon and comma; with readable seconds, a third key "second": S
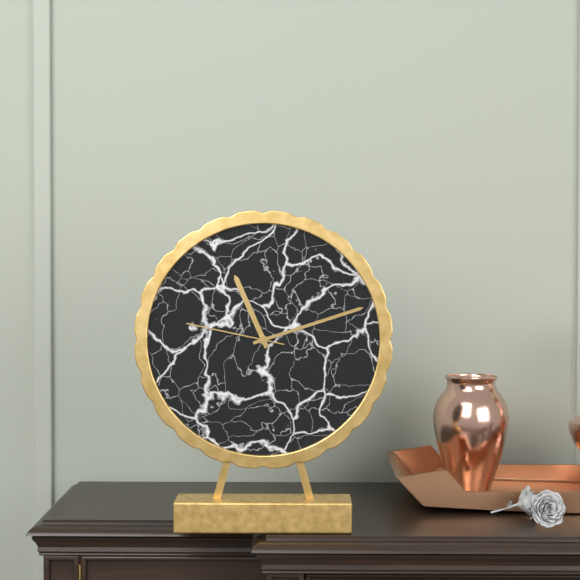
{"hour": 11, "minute": 12, "second": 47}
